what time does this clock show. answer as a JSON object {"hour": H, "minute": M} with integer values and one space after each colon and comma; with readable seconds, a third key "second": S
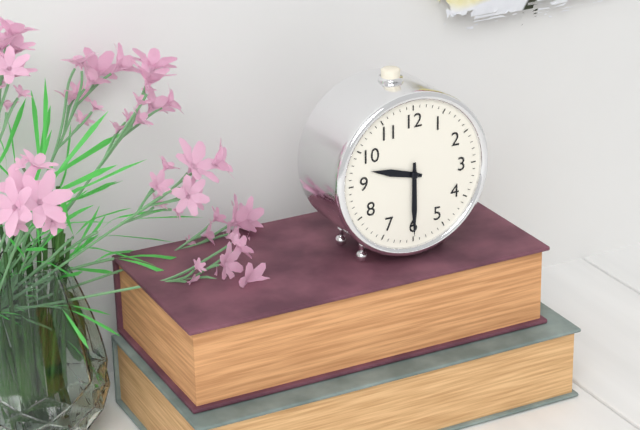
{"hour": 9, "minute": 30}
